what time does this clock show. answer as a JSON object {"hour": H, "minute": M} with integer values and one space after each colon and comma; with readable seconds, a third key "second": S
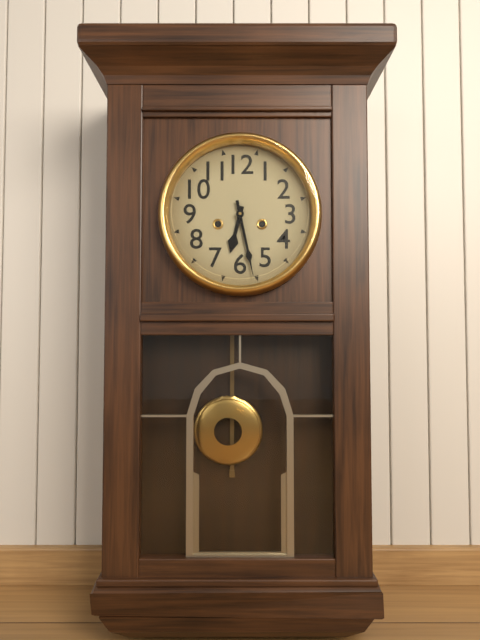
{"hour": 6, "minute": 28}
